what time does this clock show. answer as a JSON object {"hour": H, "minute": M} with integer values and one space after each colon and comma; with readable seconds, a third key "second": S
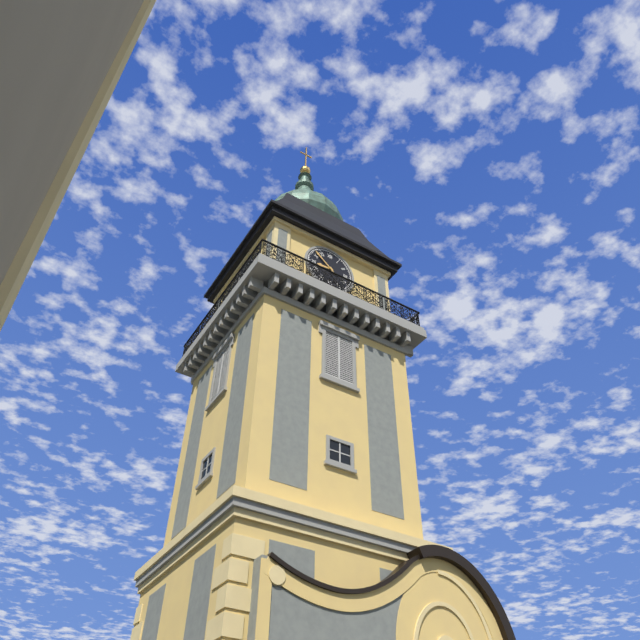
{"hour": 8, "minute": 52}
